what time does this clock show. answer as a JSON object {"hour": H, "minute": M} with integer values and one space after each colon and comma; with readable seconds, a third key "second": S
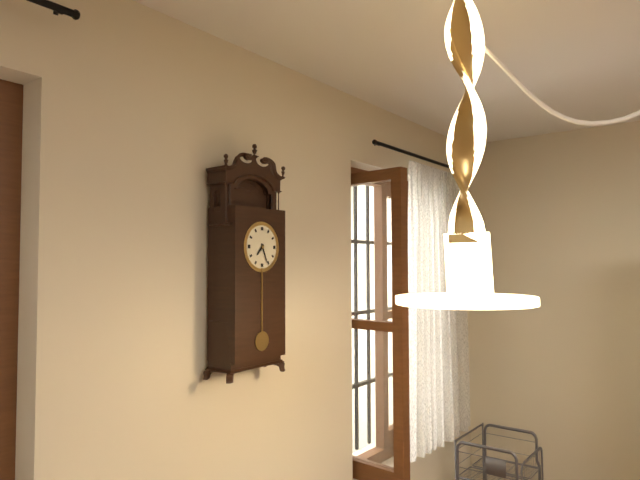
{"hour": 7, "minute": 26}
